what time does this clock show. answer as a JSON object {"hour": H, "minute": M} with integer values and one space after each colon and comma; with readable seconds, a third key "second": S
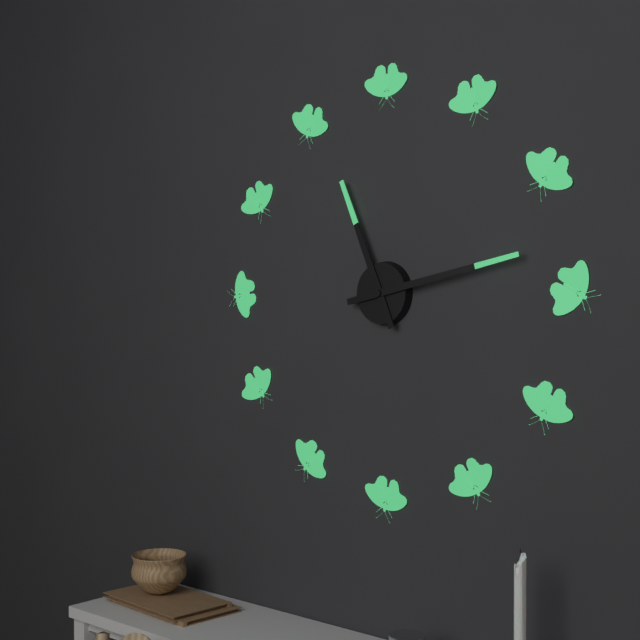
{"hour": 11, "minute": 13}
